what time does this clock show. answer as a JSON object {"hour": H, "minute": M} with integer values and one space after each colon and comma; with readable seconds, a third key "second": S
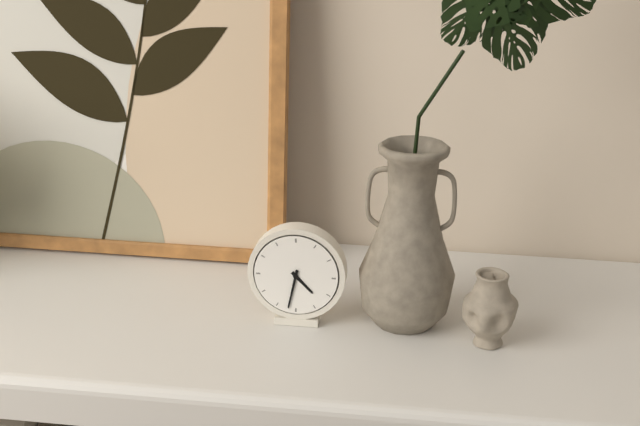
{"hour": 4, "minute": 32}
